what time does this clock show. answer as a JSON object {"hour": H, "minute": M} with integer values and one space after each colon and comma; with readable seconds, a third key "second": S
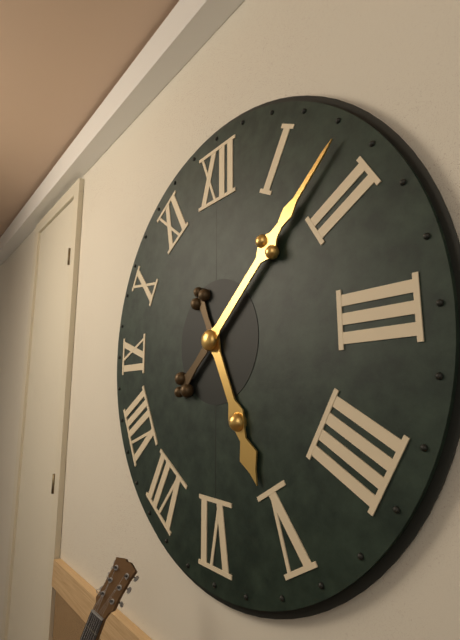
{"hour": 5, "minute": 8}
